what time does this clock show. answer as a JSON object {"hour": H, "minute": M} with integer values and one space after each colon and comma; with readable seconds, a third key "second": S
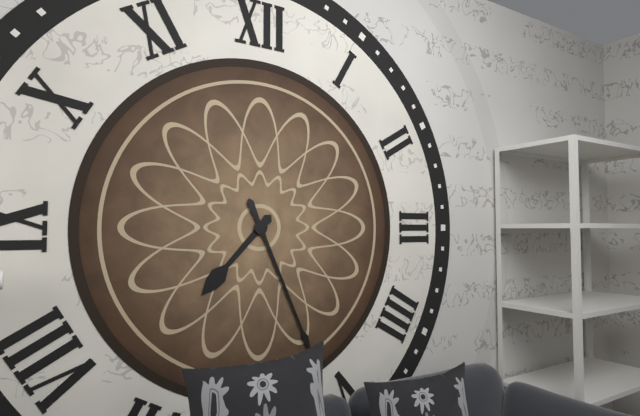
{"hour": 7, "minute": 26}
